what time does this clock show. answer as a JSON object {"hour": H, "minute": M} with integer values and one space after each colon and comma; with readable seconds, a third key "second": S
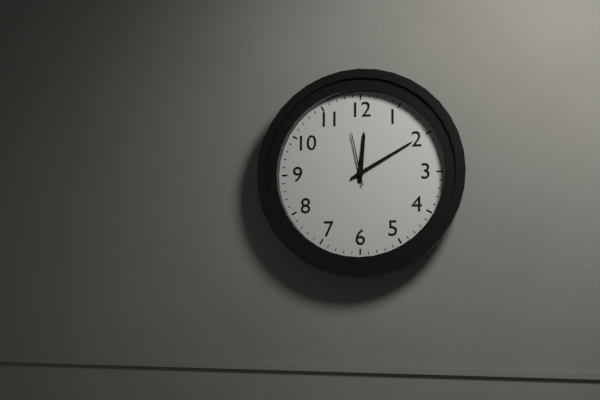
{"hour": 12, "minute": 10, "second": 58}
